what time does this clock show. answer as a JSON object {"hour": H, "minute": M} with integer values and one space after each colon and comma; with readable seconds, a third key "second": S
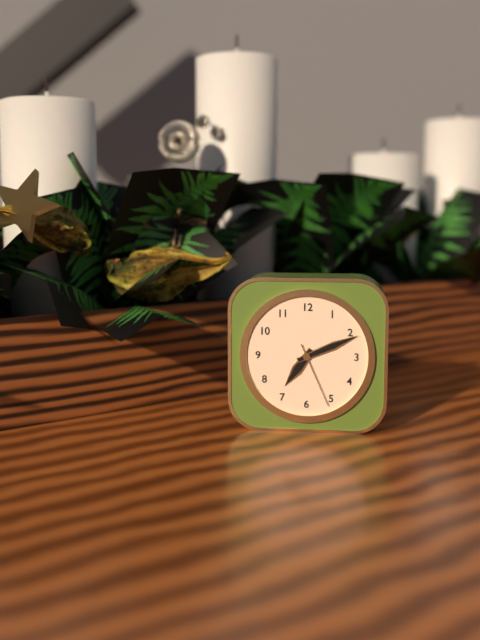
{"hour": 7, "minute": 11, "second": 26}
